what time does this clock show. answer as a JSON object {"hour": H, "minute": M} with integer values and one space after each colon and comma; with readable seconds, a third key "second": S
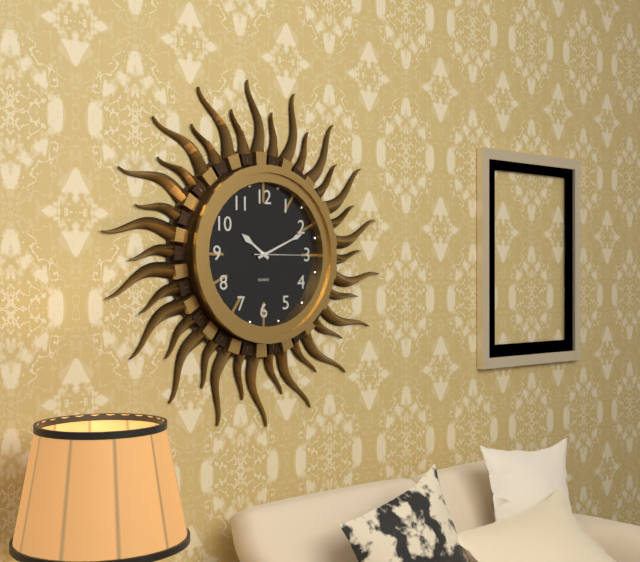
{"hour": 10, "minute": 11, "second": 15}
